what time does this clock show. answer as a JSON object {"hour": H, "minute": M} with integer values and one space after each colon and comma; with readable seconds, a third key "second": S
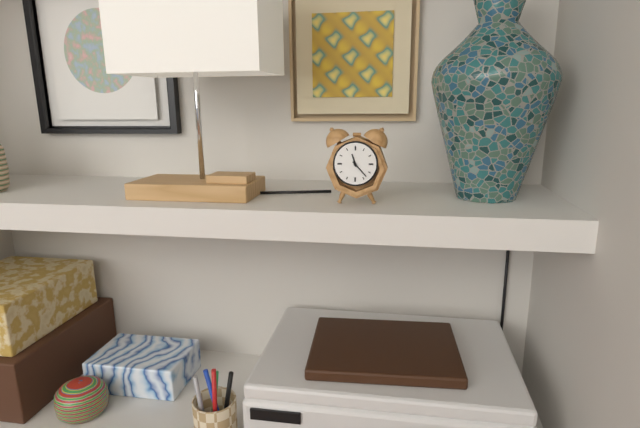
{"hour": 11, "minute": 23}
